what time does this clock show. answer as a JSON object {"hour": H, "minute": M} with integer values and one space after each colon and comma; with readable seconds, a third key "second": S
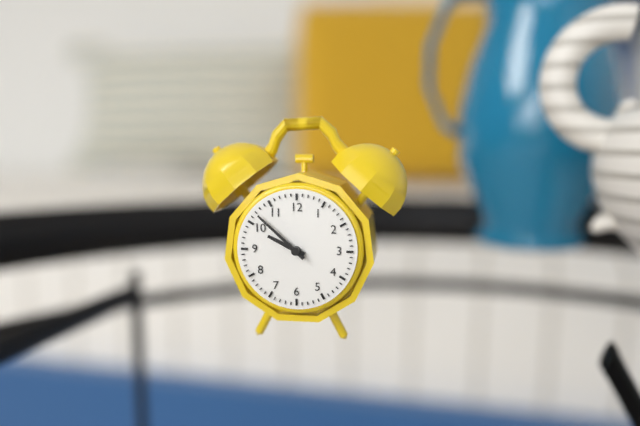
{"hour": 9, "minute": 52}
